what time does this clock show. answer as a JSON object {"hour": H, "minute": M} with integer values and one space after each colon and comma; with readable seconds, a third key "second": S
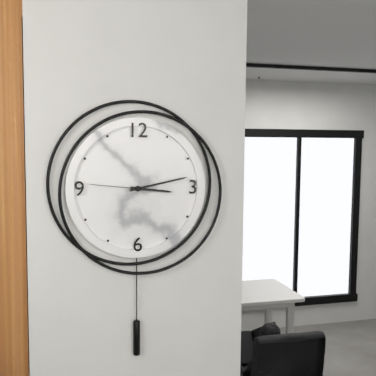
{"hour": 3, "minute": 13, "second": 46}
